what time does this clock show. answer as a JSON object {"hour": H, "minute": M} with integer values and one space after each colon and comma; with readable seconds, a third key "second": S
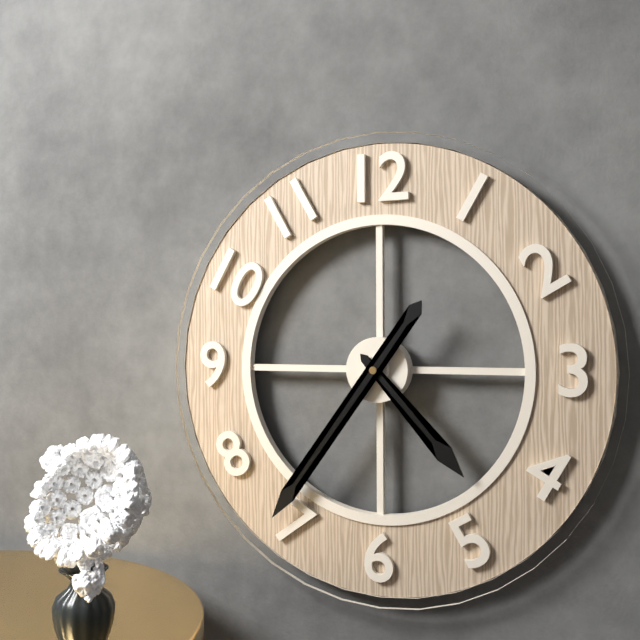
{"hour": 4, "minute": 36}
